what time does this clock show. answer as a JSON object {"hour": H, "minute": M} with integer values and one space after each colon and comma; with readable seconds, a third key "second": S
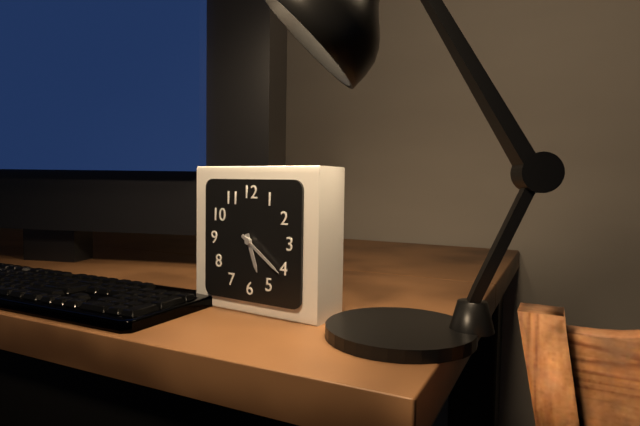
{"hour": 5, "minute": 21}
